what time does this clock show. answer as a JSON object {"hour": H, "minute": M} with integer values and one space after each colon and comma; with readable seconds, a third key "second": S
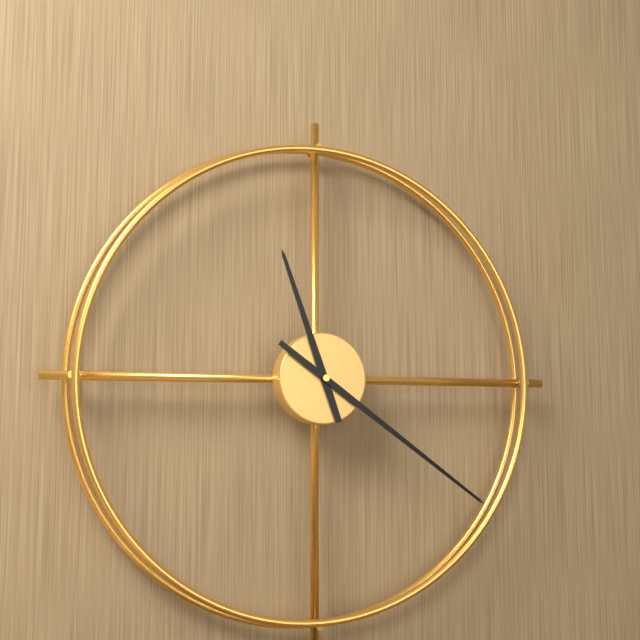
{"hour": 11, "minute": 21}
